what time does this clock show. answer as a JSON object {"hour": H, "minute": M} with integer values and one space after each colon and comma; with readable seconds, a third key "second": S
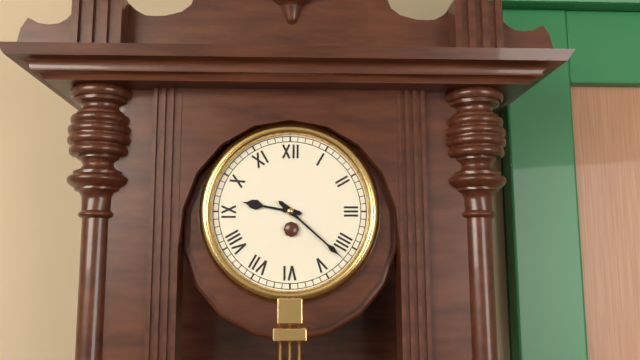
{"hour": 9, "minute": 22}
